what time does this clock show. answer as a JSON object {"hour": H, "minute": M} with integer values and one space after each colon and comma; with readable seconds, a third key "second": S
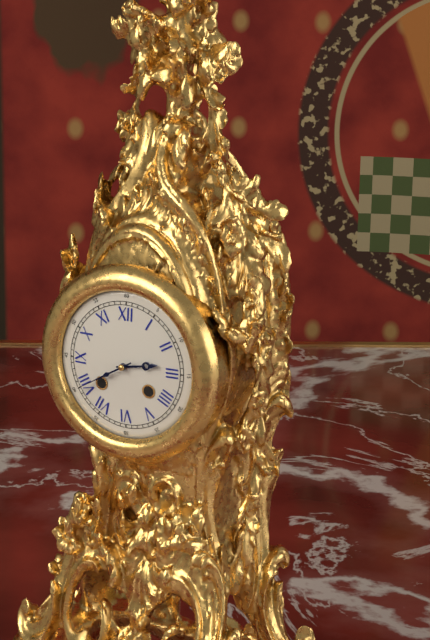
{"hour": 2, "minute": 40}
